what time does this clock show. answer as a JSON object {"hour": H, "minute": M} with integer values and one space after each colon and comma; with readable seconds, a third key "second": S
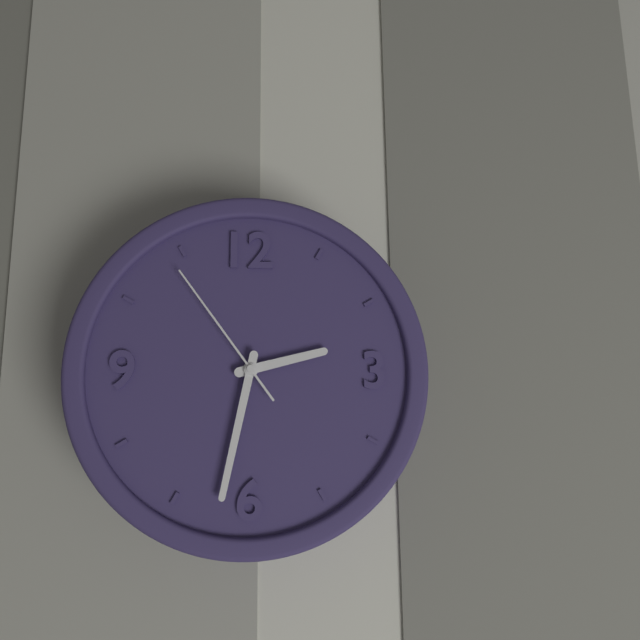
{"hour": 2, "minute": 32, "second": 54}
